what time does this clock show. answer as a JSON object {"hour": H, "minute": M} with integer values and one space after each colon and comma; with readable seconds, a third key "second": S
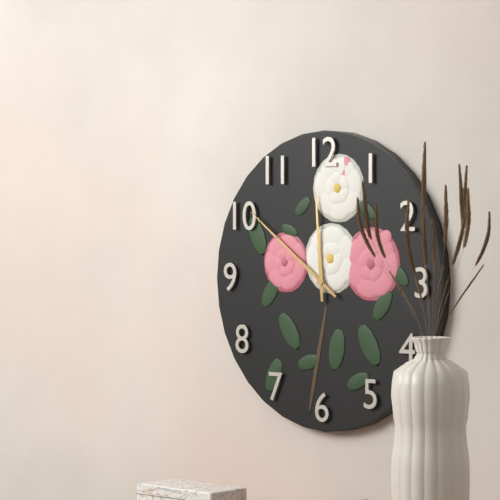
{"hour": 11, "minute": 51}
